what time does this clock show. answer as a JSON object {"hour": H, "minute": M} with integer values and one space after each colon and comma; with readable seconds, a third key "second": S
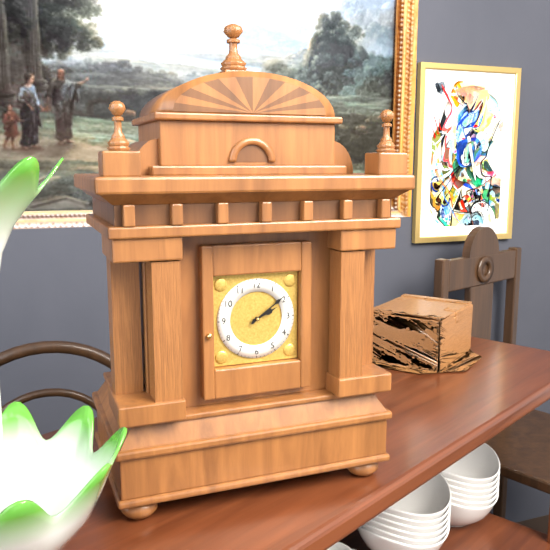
{"hour": 2, "minute": 9}
